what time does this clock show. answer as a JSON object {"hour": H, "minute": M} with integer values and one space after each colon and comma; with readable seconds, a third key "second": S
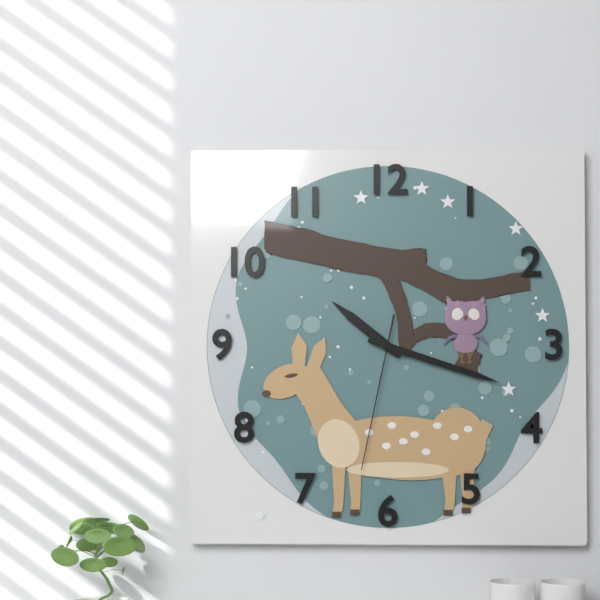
{"hour": 10, "minute": 18, "second": 32}
